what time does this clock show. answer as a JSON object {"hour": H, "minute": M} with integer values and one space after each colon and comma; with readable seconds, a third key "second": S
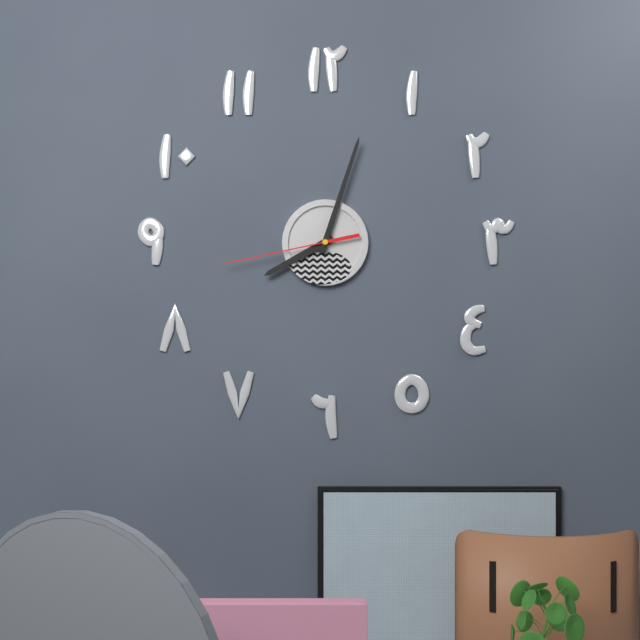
{"hour": 8, "minute": 3, "second": 43}
